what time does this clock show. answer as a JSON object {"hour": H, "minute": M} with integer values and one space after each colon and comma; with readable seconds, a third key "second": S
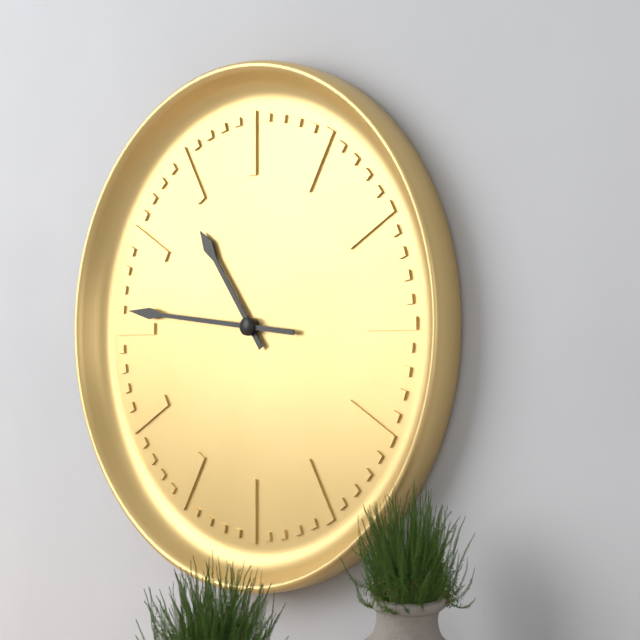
{"hour": 10, "minute": 46}
